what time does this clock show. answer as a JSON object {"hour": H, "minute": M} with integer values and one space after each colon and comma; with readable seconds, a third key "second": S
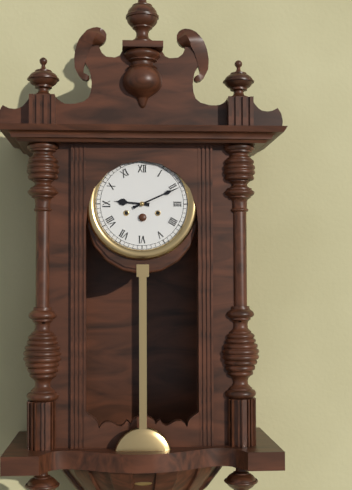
{"hour": 9, "minute": 11}
